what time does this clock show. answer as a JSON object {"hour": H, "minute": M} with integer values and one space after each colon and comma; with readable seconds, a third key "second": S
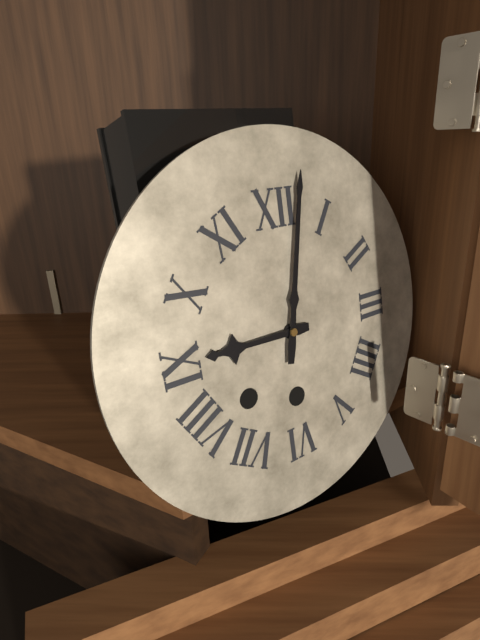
{"hour": 9, "minute": 2}
